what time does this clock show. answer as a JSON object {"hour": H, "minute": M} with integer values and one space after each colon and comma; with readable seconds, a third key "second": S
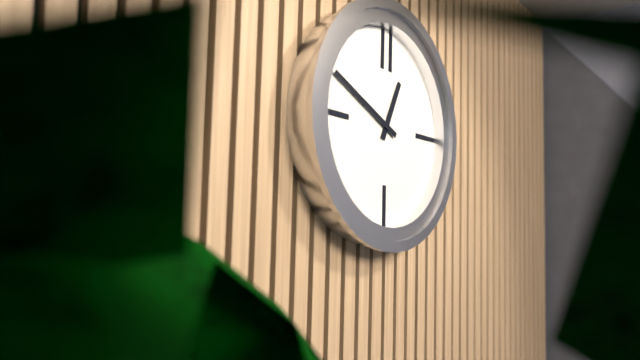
{"hour": 12, "minute": 49}
